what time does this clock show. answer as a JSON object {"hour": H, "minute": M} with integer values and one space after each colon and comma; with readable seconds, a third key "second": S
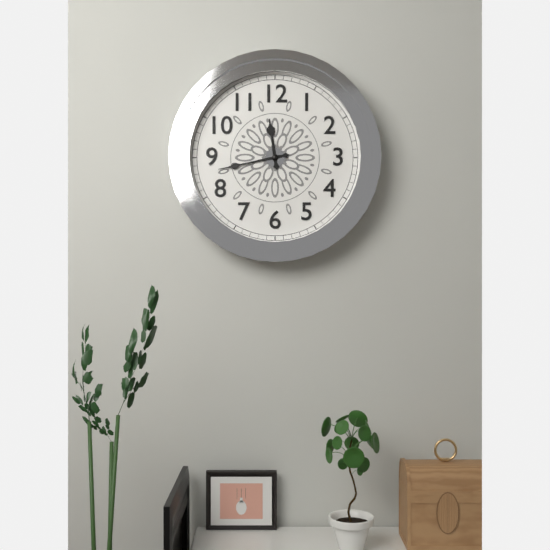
{"hour": 11, "minute": 43}
